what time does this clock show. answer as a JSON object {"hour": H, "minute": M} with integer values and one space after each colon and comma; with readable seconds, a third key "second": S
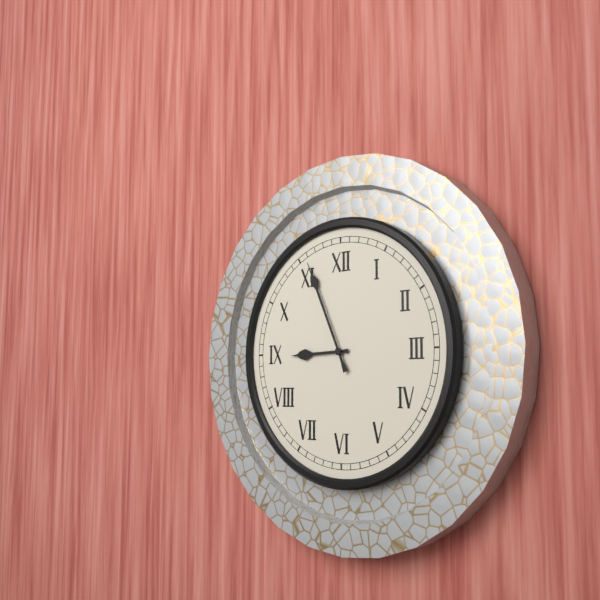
{"hour": 8, "minute": 56}
